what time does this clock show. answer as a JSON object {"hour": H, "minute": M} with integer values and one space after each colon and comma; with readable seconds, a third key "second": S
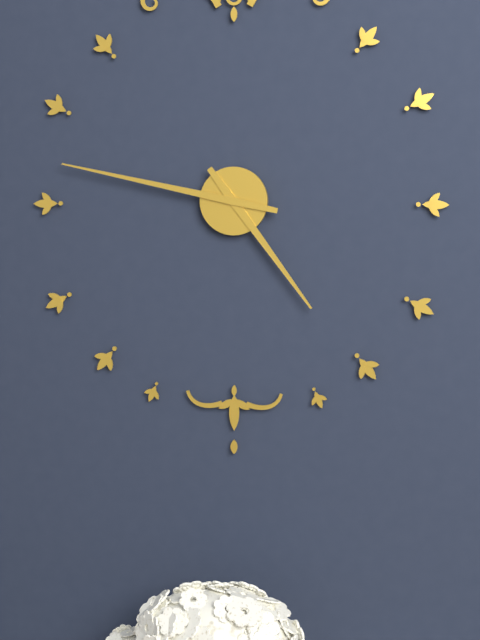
{"hour": 4, "minute": 47}
